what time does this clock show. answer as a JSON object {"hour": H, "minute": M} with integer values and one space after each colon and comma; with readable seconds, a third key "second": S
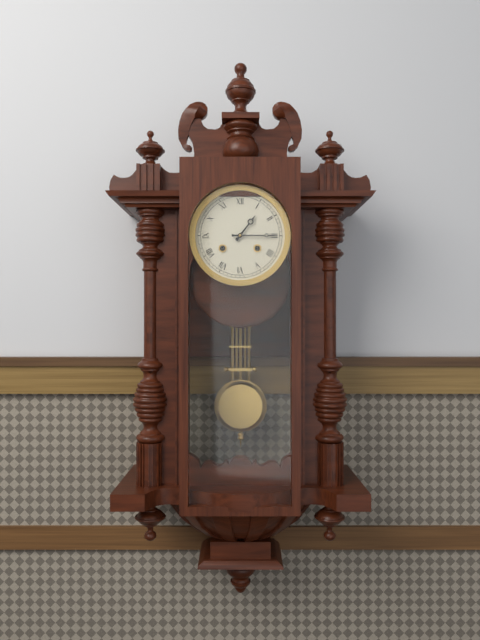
{"hour": 1, "minute": 15}
